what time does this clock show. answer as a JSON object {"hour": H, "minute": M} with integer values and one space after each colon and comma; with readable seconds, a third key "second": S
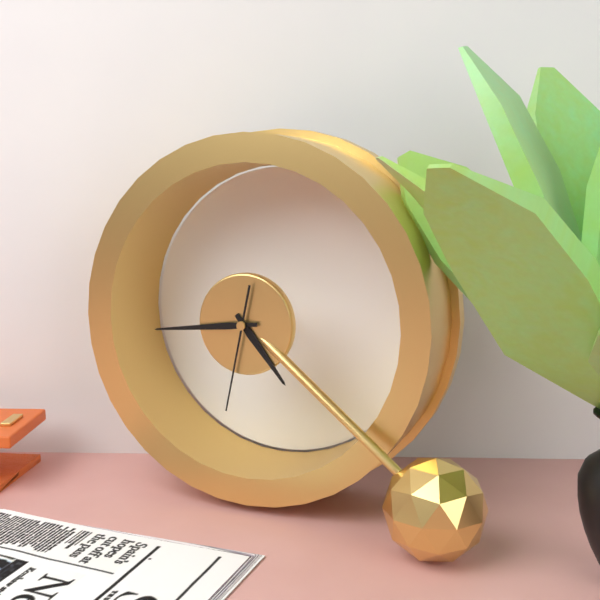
{"hour": 4, "minute": 44, "second": 32}
